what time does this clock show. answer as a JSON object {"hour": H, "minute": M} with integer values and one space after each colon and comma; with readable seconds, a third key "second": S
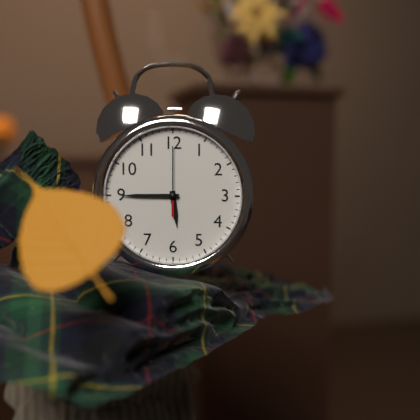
{"hour": 5, "minute": 45, "second": 0}
